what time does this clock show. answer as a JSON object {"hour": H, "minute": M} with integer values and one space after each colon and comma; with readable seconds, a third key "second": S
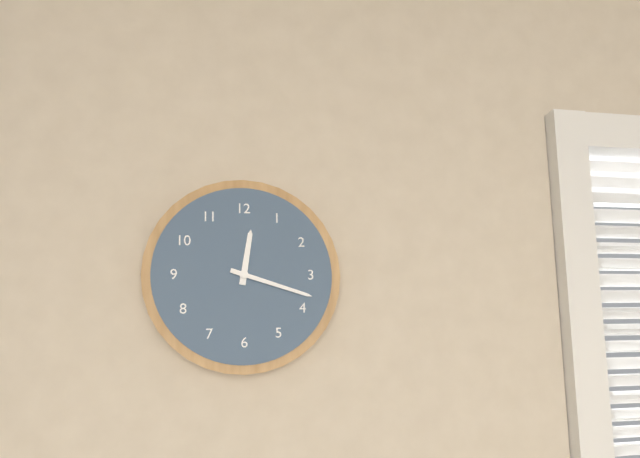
{"hour": 12, "minute": 18}
